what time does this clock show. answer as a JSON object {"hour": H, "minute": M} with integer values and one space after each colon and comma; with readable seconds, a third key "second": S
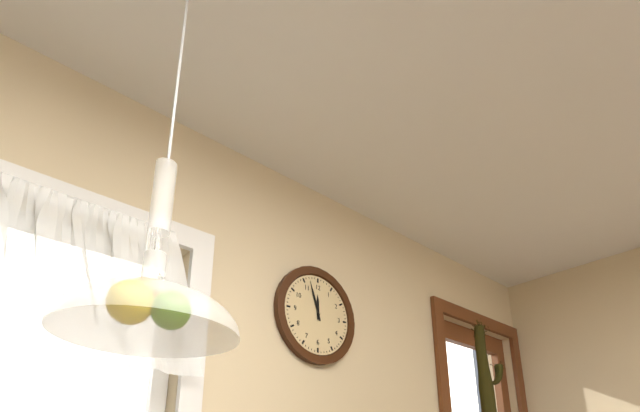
{"hour": 11, "minute": 57}
